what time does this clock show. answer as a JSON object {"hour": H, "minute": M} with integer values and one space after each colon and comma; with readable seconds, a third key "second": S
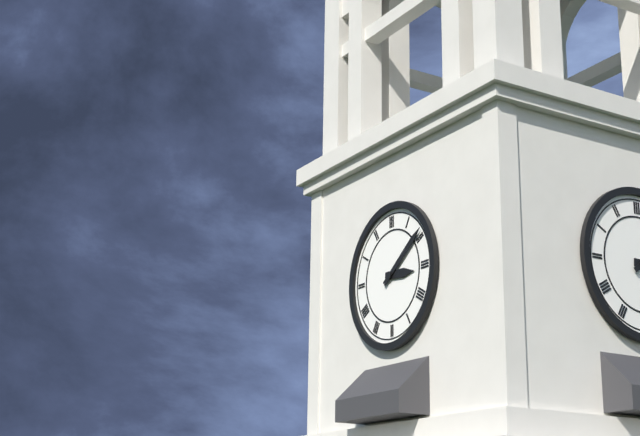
{"hour": 3, "minute": 9}
